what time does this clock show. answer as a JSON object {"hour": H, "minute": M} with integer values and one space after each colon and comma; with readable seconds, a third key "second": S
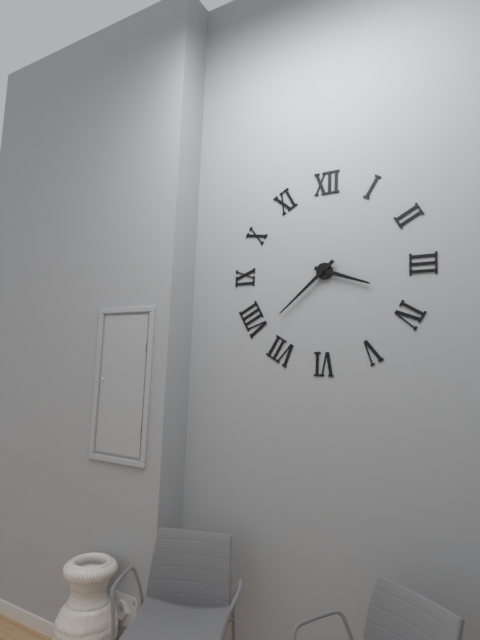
{"hour": 3, "minute": 38}
